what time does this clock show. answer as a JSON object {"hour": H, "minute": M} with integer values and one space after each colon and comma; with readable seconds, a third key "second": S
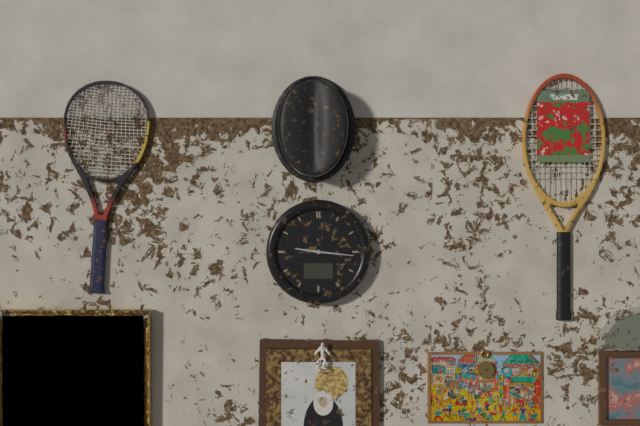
{"hour": 9, "minute": 16}
